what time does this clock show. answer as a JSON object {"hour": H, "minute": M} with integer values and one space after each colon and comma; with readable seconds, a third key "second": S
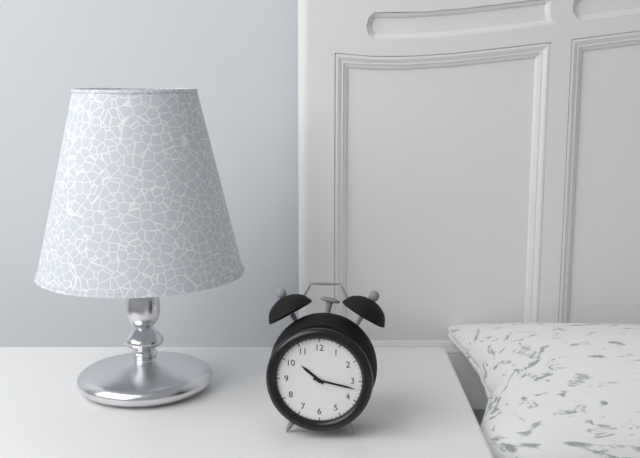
{"hour": 10, "minute": 17}
